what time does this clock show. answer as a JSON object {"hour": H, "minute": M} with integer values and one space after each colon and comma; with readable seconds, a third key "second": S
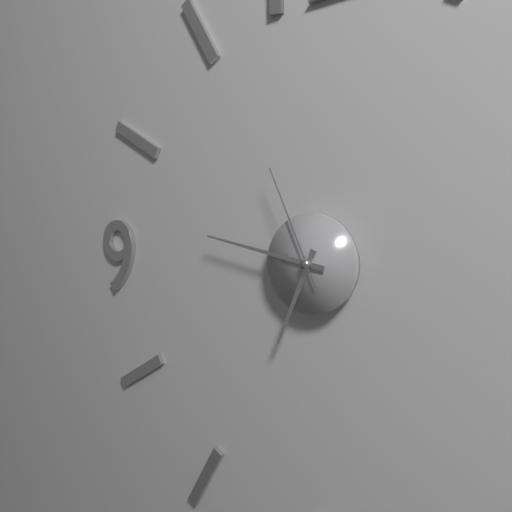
{"hour": 6, "minute": 47, "second": 56}
